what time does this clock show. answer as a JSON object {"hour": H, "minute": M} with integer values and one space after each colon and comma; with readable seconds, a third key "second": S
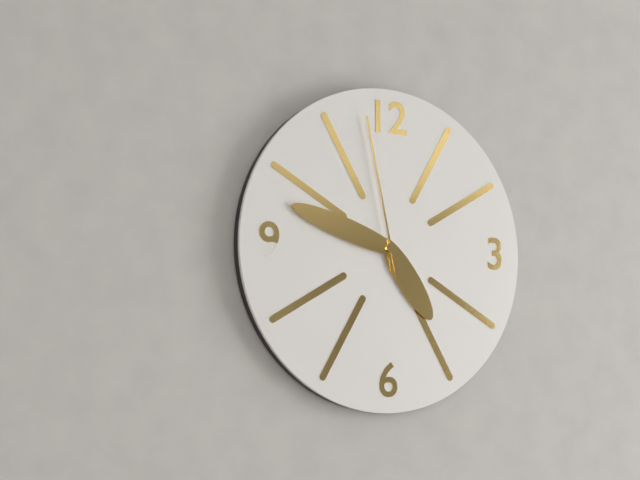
{"hour": 4, "minute": 48, "second": 58}
